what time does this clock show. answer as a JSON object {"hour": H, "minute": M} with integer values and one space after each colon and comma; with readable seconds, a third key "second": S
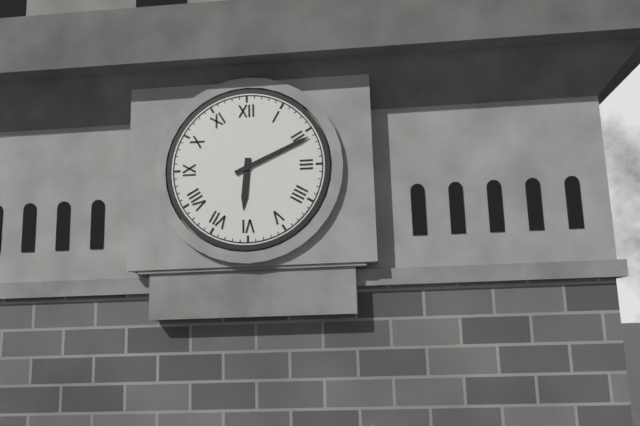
{"hour": 6, "minute": 11}
